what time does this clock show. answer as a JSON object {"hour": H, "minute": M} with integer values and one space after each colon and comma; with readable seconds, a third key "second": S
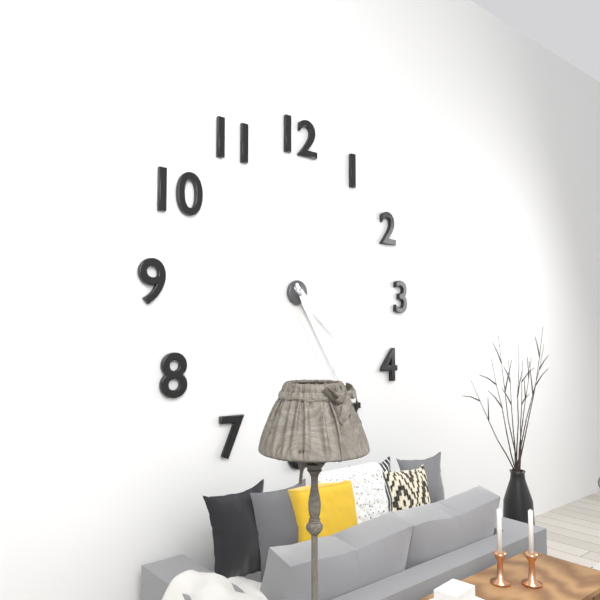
{"hour": 4, "minute": 25}
